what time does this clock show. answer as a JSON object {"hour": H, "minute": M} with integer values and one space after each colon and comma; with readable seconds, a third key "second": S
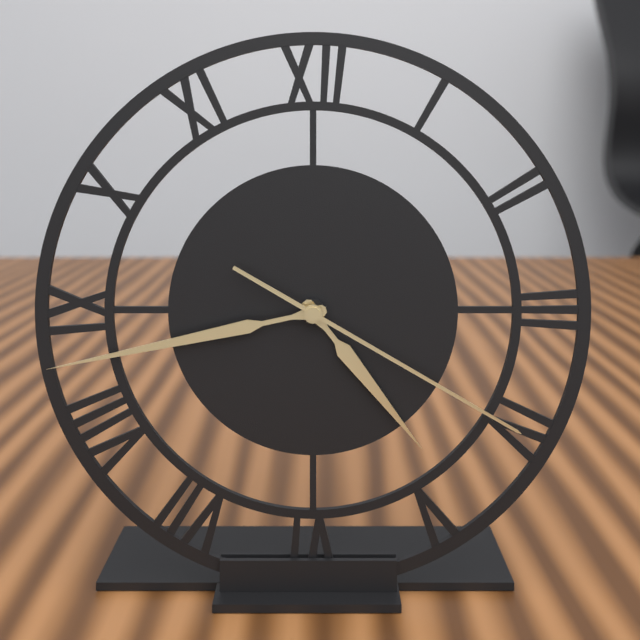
{"hour": 4, "minute": 43, "second": 20}
